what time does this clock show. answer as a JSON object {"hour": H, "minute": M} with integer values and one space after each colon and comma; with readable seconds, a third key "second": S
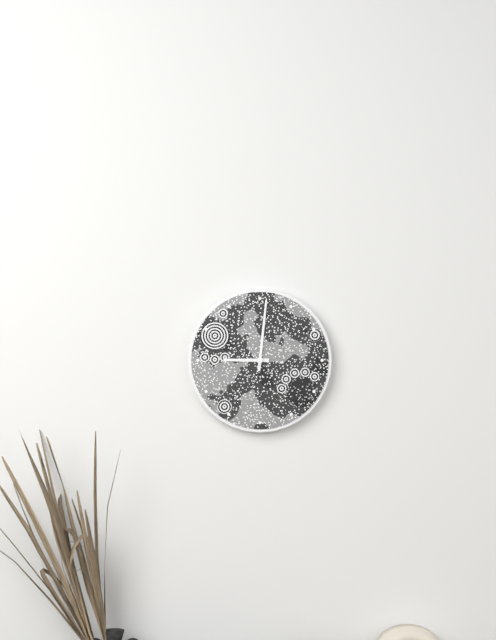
{"hour": 9, "minute": 1}
